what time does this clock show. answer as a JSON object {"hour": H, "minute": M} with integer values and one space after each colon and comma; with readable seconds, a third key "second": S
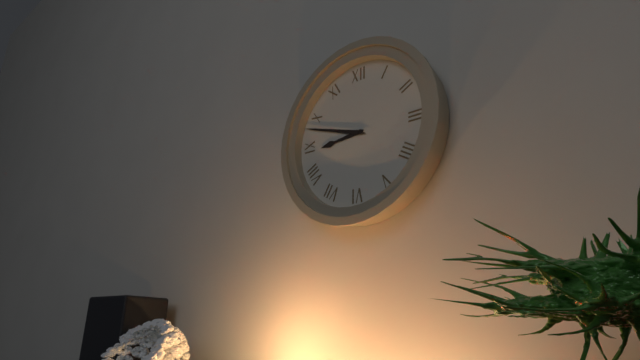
{"hour": 8, "minute": 48}
